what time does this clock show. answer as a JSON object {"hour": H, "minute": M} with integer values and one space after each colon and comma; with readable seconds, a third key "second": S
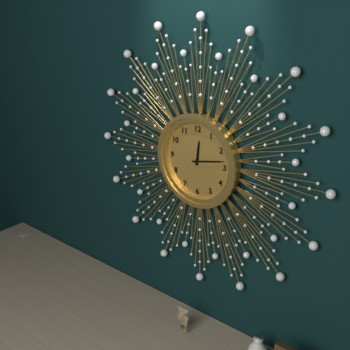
{"hour": 12, "minute": 13}
